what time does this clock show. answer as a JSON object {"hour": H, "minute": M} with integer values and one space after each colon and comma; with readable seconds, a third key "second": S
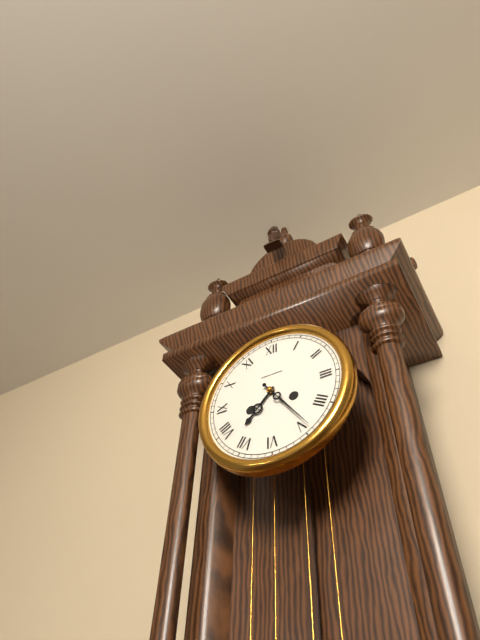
{"hour": 7, "minute": 24}
